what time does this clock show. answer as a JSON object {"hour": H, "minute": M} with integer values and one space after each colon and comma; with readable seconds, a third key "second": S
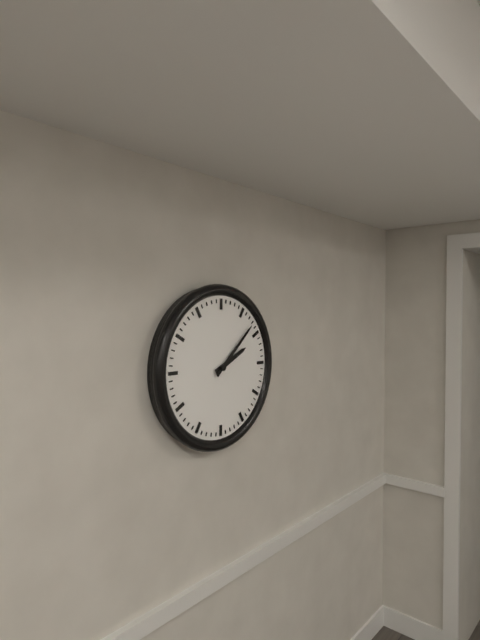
{"hour": 2, "minute": 8}
